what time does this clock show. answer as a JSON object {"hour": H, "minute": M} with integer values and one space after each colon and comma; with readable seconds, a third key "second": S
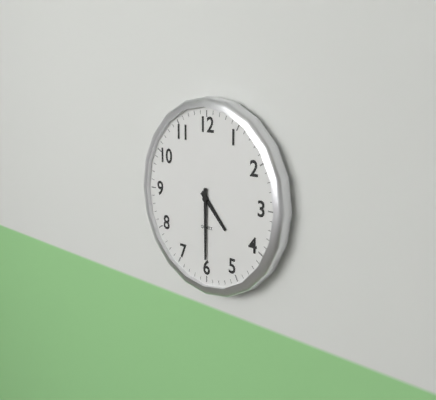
{"hour": 4, "minute": 30}
